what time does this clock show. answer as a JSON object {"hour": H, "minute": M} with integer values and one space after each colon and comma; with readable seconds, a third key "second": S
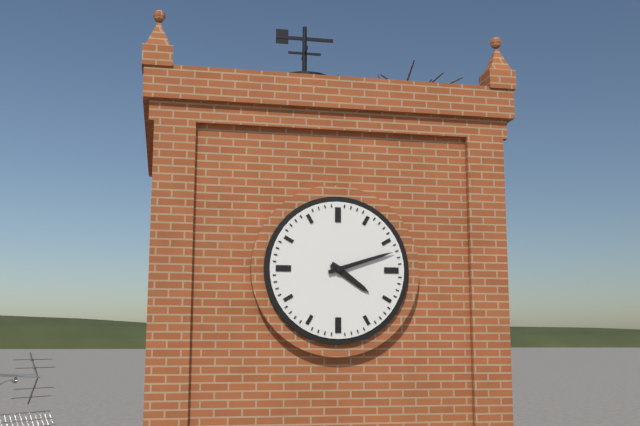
{"hour": 4, "minute": 12}
